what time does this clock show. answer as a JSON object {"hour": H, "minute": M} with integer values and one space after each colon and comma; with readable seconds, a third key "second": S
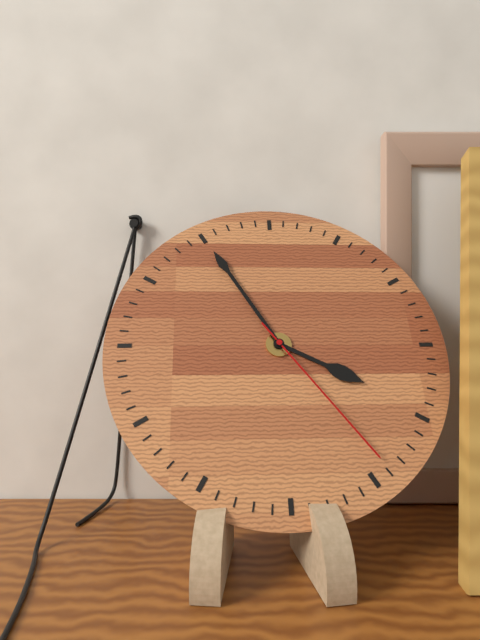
{"hour": 3, "minute": 55, "second": 24}
